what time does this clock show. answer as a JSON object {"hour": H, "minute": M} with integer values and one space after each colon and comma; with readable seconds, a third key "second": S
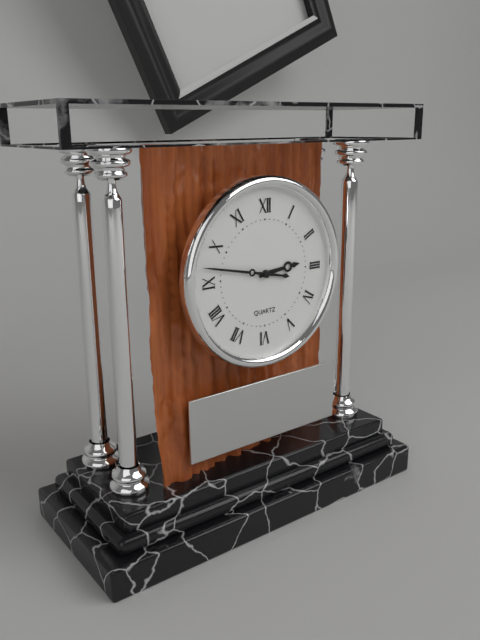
{"hour": 2, "minute": 47}
